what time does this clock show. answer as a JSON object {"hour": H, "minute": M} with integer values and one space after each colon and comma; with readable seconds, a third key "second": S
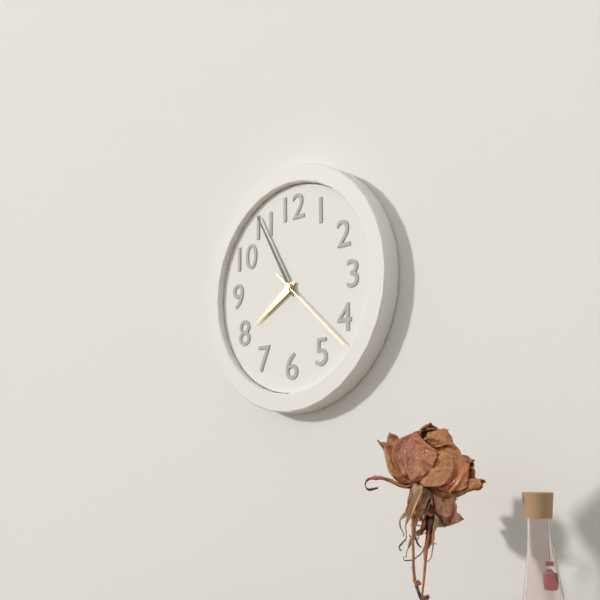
{"hour": 7, "minute": 55, "second": 22}
